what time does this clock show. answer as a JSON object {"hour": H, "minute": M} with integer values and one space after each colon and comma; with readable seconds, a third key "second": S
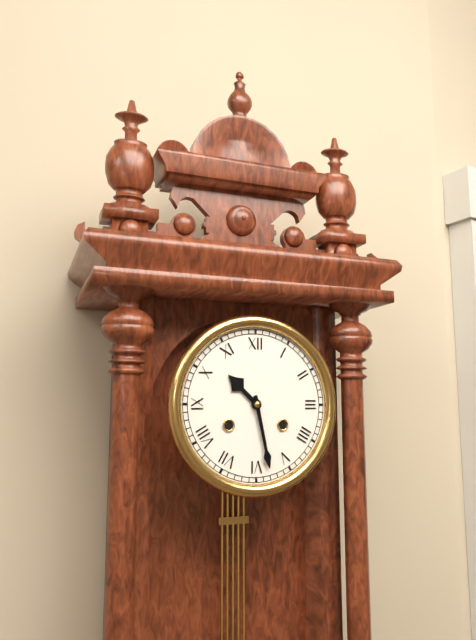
{"hour": 10, "minute": 28}
